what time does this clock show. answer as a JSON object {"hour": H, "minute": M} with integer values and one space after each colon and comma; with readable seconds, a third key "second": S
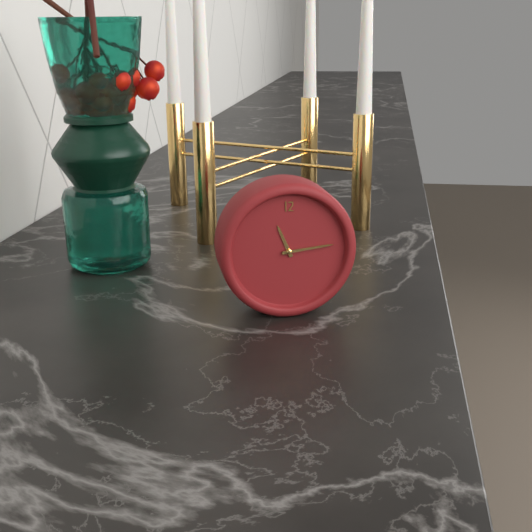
{"hour": 11, "minute": 14}
